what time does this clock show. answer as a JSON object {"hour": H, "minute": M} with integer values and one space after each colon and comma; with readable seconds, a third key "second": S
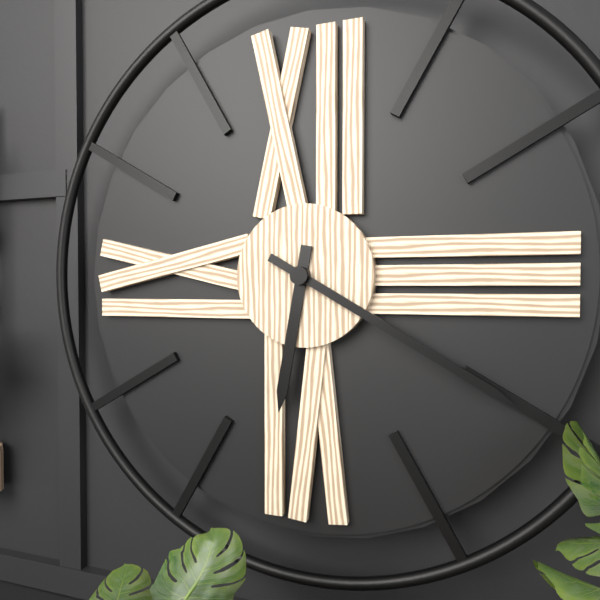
{"hour": 6, "minute": 20}
